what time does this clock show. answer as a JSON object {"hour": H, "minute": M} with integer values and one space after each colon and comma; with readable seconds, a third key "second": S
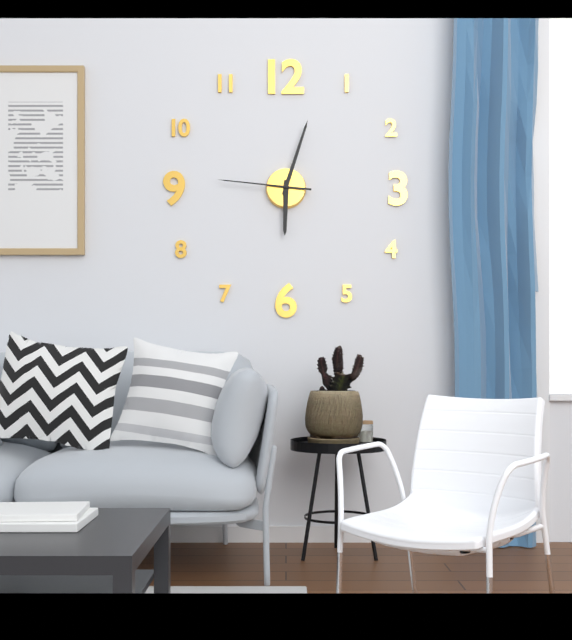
{"hour": 6, "minute": 3, "second": 46}
